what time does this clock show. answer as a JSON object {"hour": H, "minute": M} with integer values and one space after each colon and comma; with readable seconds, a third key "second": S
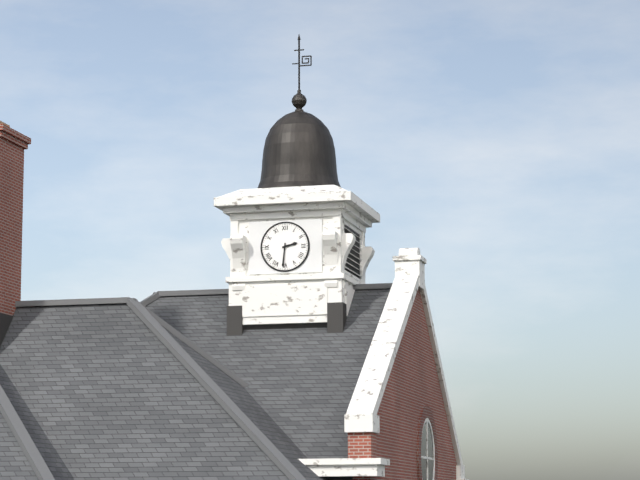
{"hour": 2, "minute": 31}
